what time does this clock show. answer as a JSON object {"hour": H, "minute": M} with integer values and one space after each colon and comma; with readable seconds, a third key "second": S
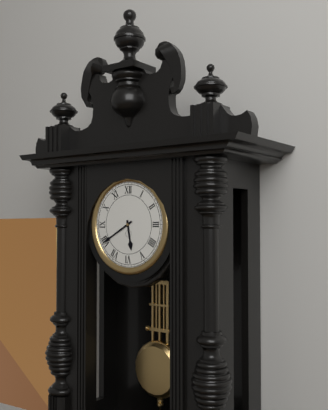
{"hour": 5, "minute": 40}
